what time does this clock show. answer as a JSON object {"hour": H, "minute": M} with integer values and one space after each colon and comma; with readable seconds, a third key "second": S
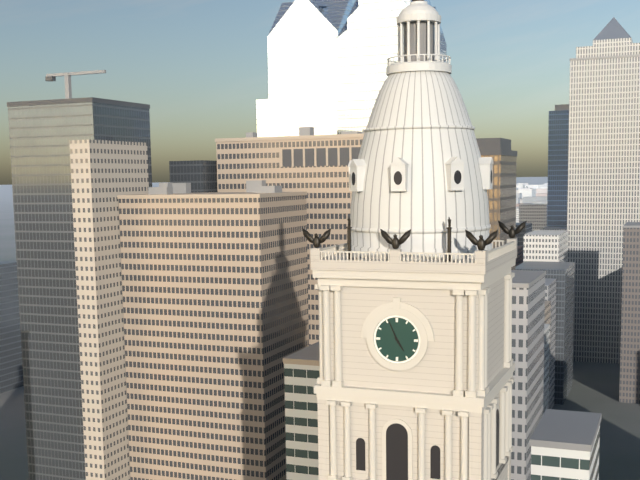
{"hour": 4, "minute": 56}
